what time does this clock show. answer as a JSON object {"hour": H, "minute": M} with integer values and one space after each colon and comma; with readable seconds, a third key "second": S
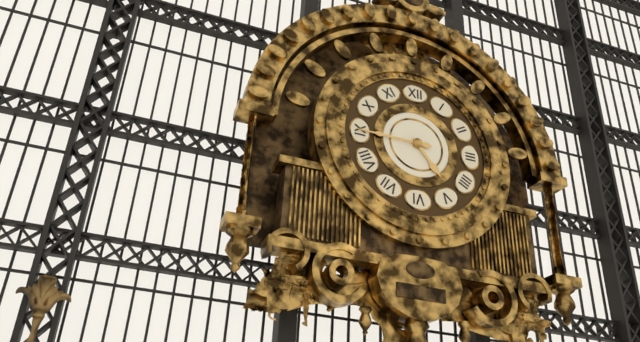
{"hour": 4, "minute": 45}
